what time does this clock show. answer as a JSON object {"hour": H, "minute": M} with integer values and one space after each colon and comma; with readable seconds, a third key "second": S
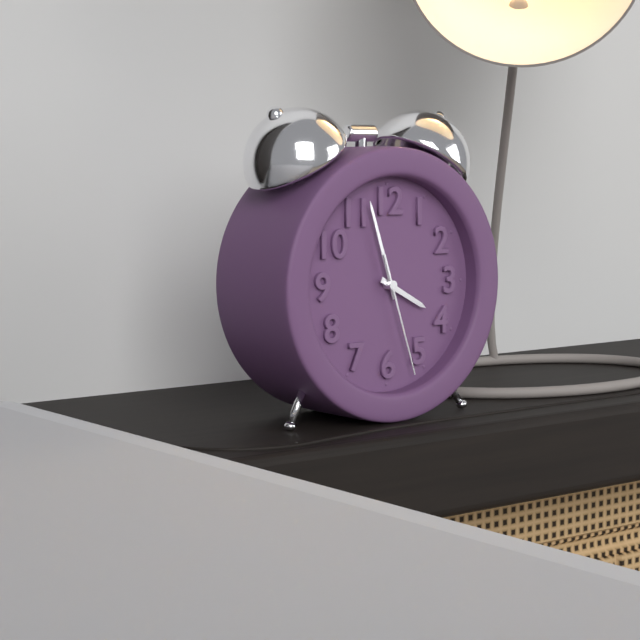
{"hour": 3, "minute": 57, "second": 27}
